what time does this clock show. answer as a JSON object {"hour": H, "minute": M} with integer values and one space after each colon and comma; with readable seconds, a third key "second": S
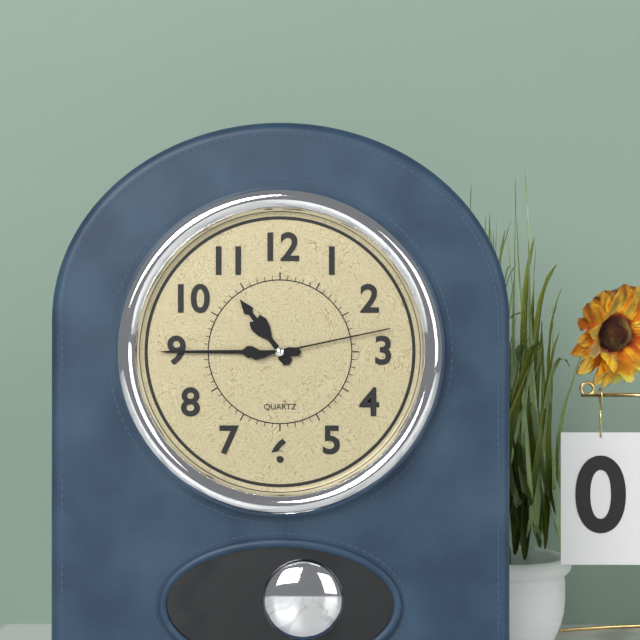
{"hour": 10, "minute": 45, "second": 13}
